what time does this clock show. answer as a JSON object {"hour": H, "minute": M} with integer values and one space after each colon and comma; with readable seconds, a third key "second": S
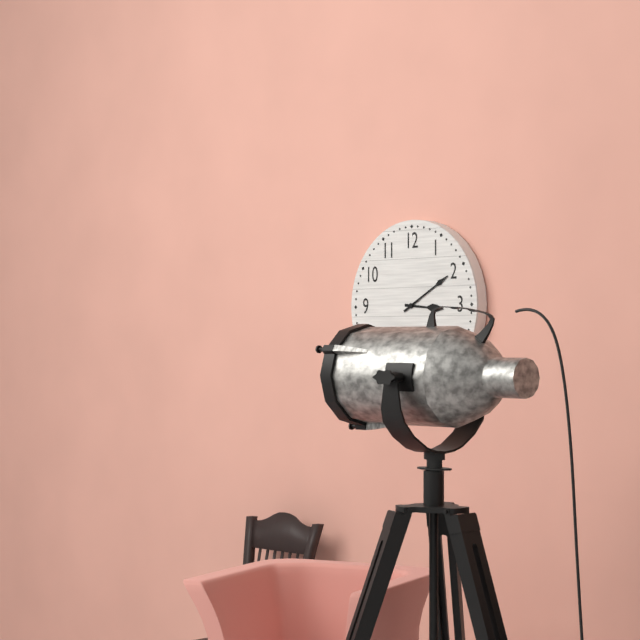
{"hour": 3, "minute": 10}
